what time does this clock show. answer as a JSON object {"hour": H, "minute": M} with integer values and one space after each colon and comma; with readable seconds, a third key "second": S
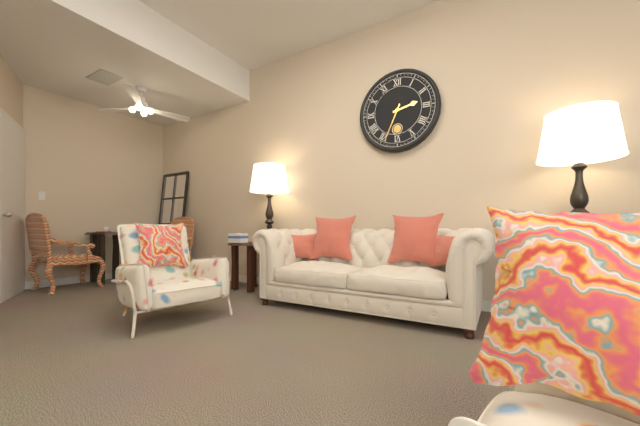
{"hour": 2, "minute": 34}
